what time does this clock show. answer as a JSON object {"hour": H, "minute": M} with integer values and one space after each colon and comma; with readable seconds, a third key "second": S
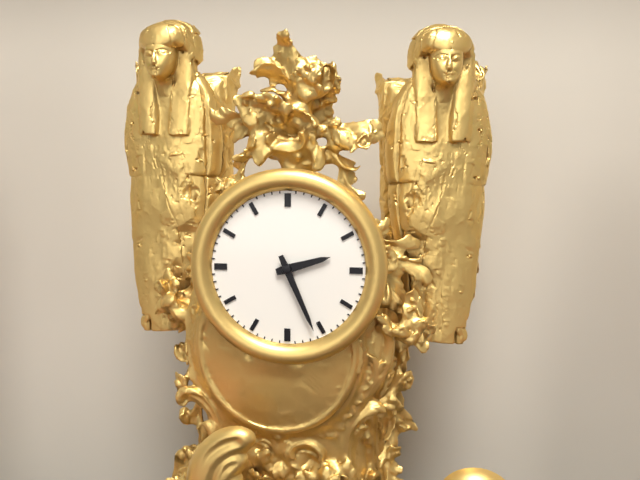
{"hour": 2, "minute": 26}
